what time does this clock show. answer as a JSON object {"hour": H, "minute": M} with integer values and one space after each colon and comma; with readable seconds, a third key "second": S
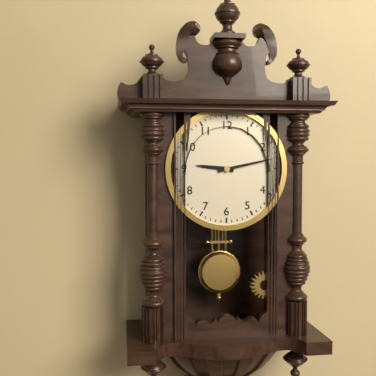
{"hour": 9, "minute": 13}
